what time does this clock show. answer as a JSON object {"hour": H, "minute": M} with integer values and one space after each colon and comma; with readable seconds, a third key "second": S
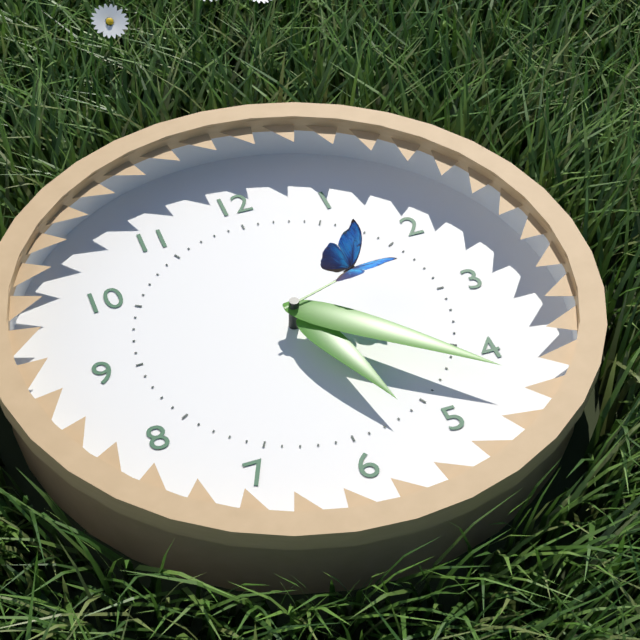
{"hour": 5, "minute": 22, "second": 12}
